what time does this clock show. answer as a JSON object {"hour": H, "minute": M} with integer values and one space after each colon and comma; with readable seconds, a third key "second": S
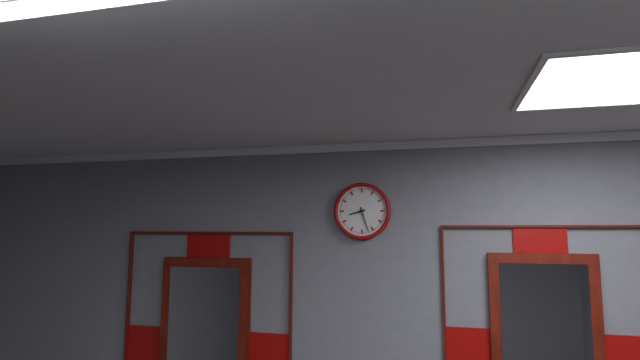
{"hour": 8, "minute": 27}
